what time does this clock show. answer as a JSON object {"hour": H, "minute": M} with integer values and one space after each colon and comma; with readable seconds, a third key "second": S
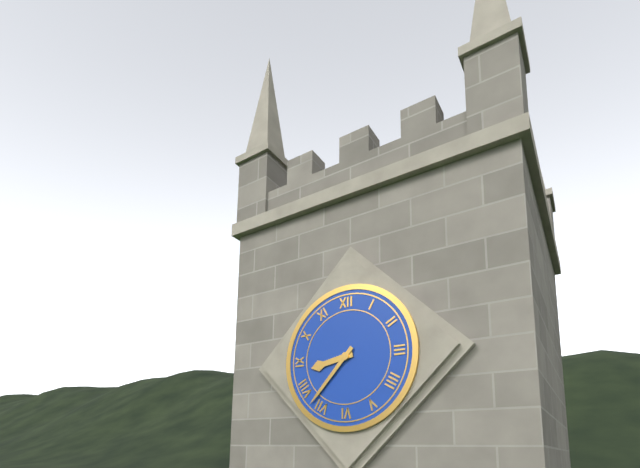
{"hour": 8, "minute": 37}
